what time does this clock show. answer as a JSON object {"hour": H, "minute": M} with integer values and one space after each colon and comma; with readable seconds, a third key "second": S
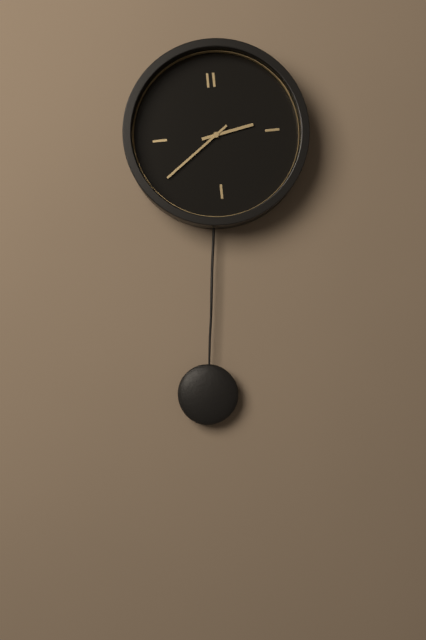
{"hour": 2, "minute": 39}
